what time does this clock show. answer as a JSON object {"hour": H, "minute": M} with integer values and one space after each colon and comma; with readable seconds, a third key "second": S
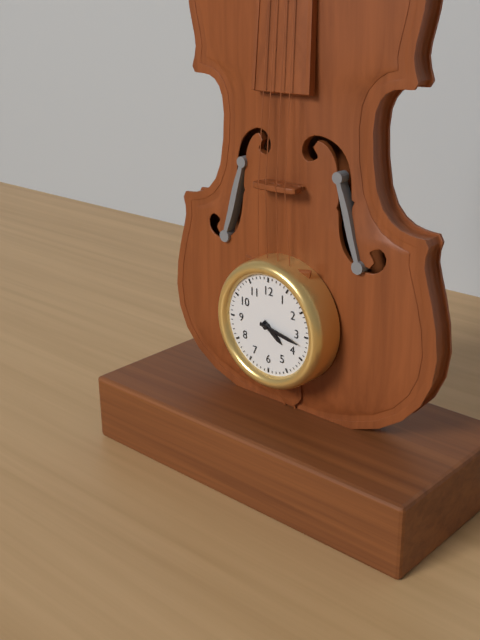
{"hour": 4, "minute": 17}
